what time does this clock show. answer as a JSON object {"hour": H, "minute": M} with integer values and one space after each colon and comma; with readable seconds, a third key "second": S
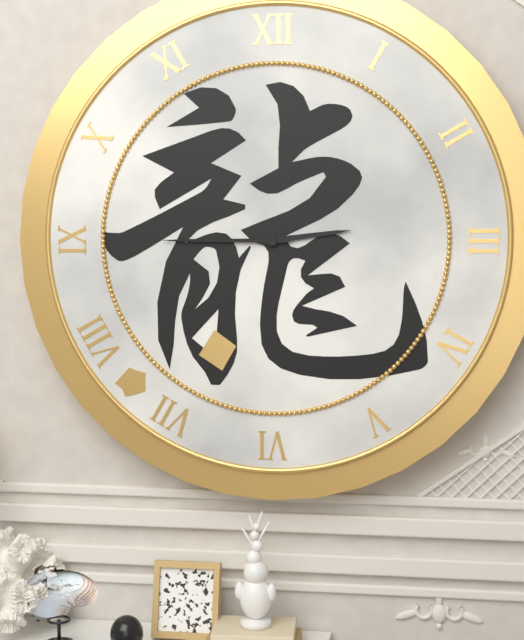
{"hour": 2, "minute": 45}
